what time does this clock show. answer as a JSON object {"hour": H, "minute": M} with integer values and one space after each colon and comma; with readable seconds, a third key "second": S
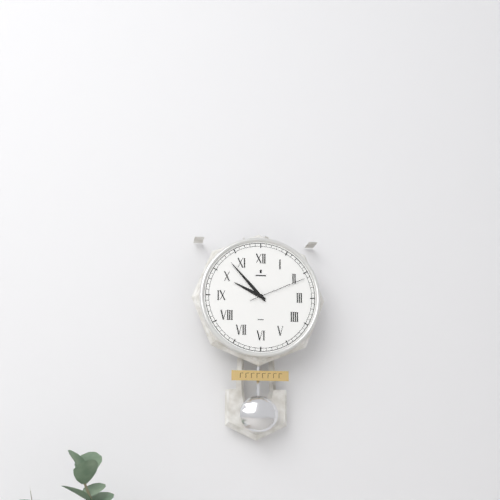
{"hour": 9, "minute": 53, "second": 11}
